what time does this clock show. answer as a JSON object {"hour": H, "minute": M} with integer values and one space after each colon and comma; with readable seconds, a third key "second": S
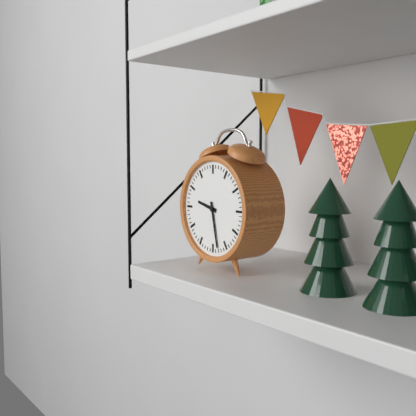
{"hour": 9, "minute": 28}
